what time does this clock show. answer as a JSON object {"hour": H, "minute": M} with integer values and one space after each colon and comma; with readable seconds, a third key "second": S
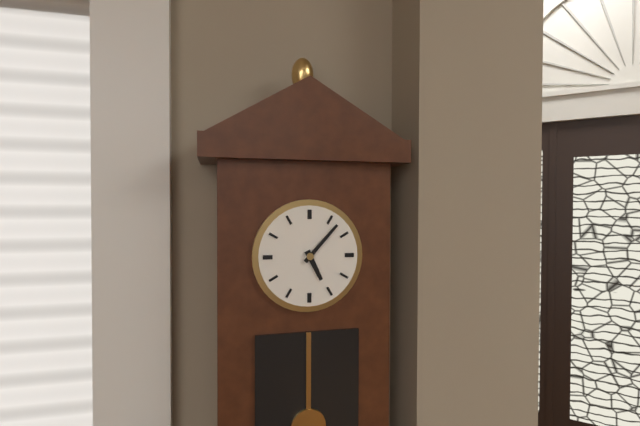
{"hour": 5, "minute": 7}
